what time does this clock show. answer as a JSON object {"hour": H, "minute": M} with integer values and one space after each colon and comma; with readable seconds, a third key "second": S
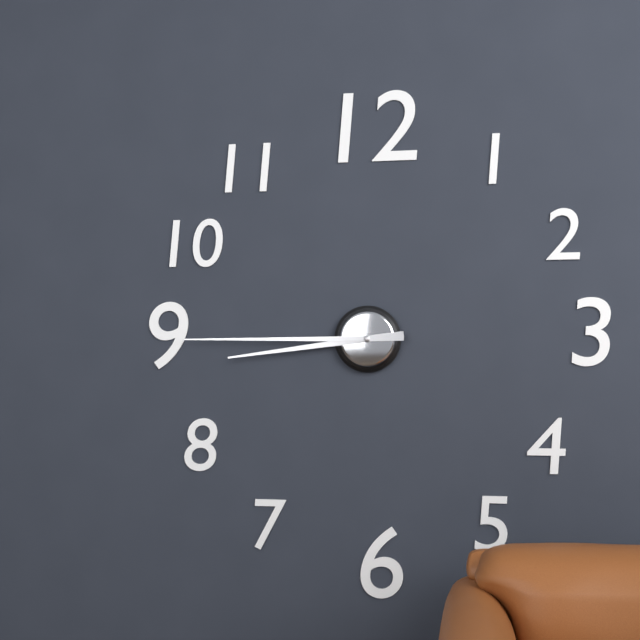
{"hour": 8, "minute": 45}
